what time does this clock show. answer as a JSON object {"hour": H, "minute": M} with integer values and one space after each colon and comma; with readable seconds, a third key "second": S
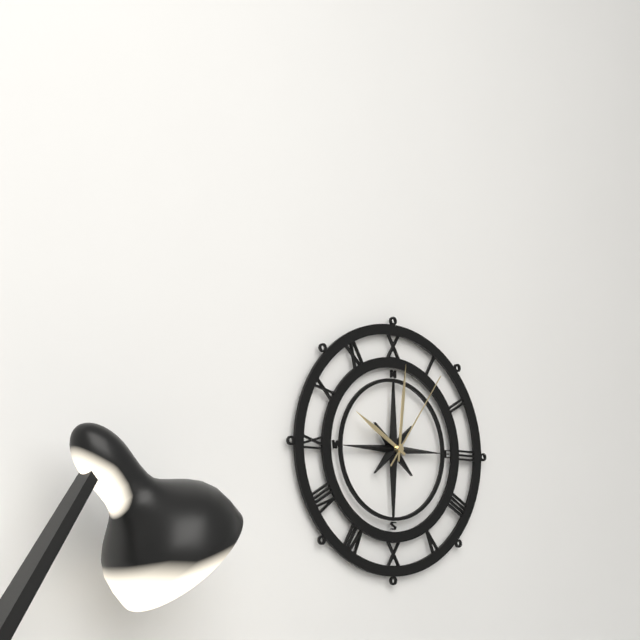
{"hour": 10, "minute": 1, "second": 6}
